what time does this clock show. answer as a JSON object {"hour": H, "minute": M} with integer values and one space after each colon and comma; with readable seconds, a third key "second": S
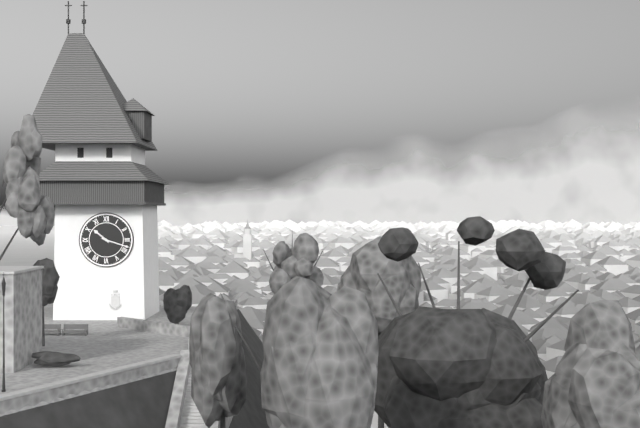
{"hour": 10, "minute": 18}
